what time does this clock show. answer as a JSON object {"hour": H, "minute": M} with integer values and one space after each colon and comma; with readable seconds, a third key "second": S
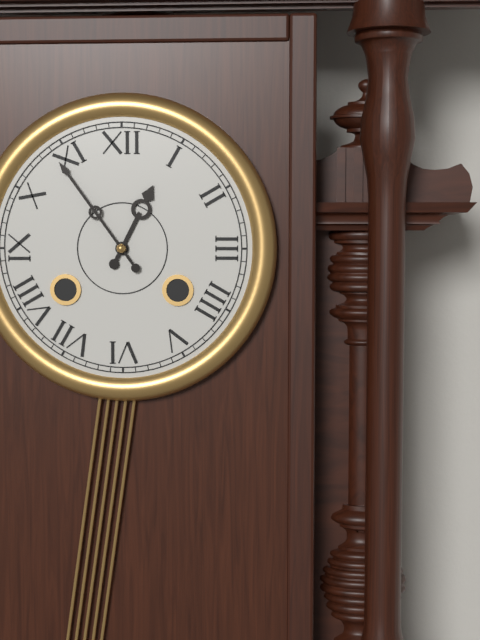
{"hour": 12, "minute": 54}
